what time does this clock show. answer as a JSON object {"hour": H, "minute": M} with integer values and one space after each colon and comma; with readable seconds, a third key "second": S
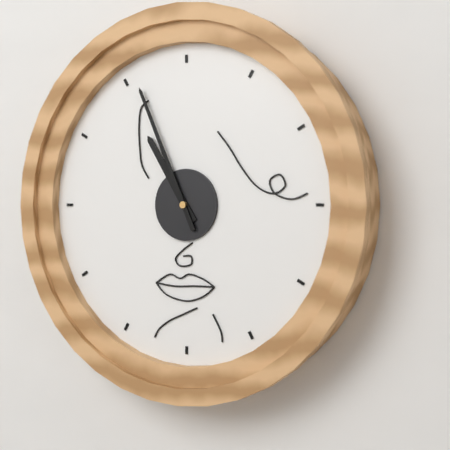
{"hour": 10, "minute": 56}
